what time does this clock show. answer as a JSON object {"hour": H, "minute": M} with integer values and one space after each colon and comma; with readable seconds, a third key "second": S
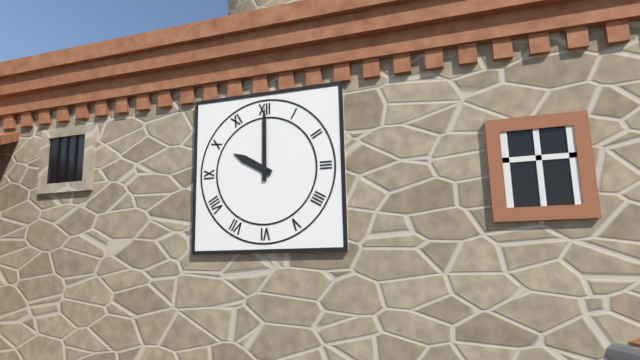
{"hour": 10, "minute": 0}
